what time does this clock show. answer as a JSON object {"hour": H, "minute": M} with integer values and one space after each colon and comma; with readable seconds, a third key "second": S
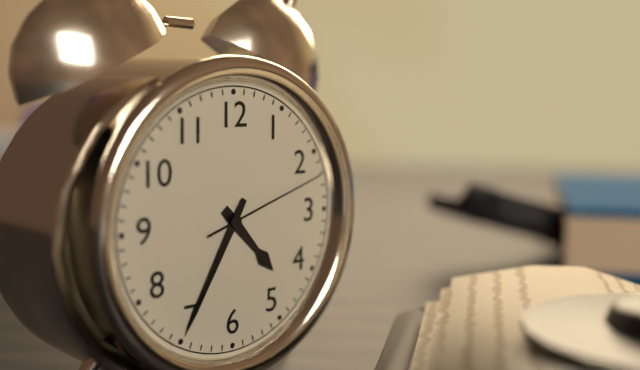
{"hour": 4, "minute": 35, "second": 12}
